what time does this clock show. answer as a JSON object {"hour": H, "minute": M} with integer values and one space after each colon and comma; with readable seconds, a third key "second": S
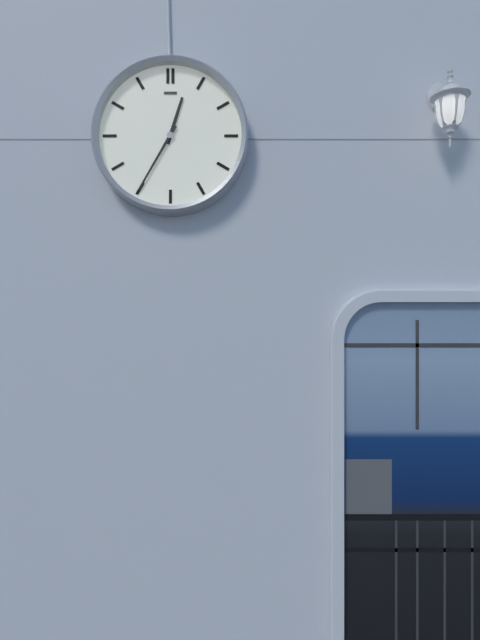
{"hour": 12, "minute": 35}
